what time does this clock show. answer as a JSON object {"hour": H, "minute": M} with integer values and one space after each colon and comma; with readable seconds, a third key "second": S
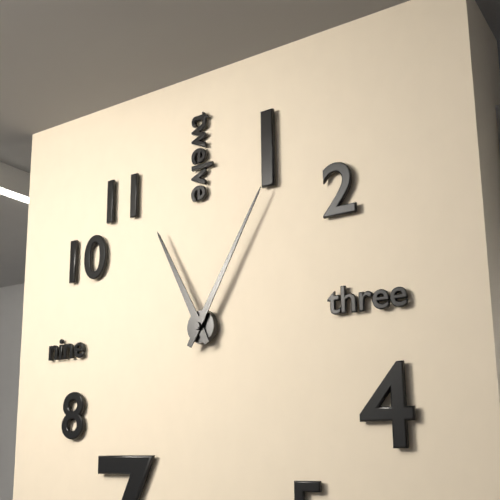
{"hour": 11, "minute": 5}
